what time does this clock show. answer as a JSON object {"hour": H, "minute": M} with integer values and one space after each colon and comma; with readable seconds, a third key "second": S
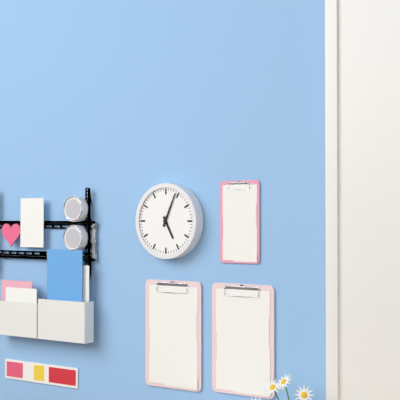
{"hour": 5, "minute": 4}
